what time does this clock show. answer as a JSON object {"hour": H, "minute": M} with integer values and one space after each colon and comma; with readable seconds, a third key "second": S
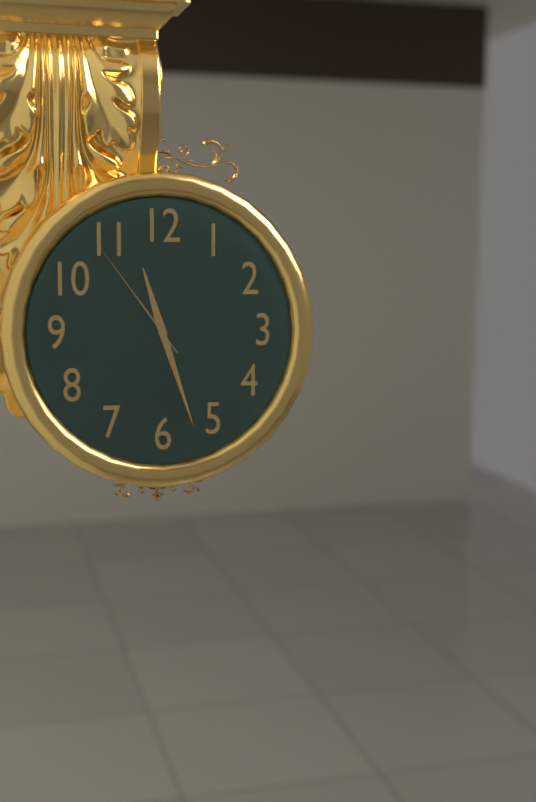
{"hour": 11, "minute": 27, "second": 54}
